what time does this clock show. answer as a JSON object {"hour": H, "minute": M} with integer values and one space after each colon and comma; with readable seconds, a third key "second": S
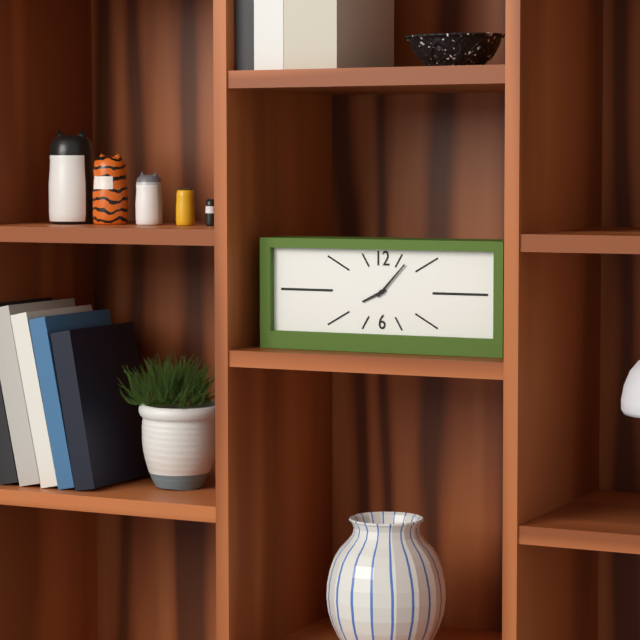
{"hour": 8, "minute": 7}
